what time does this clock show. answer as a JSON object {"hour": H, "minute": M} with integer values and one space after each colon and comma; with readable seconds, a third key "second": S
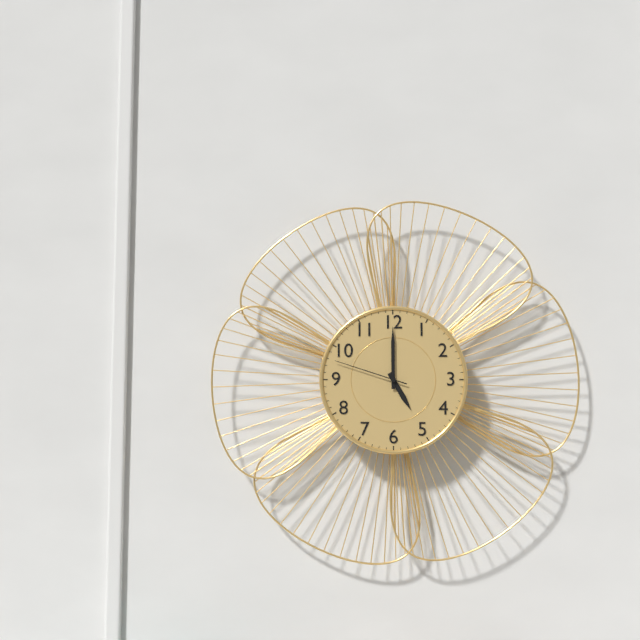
{"hour": 5, "minute": 0, "second": 48}
